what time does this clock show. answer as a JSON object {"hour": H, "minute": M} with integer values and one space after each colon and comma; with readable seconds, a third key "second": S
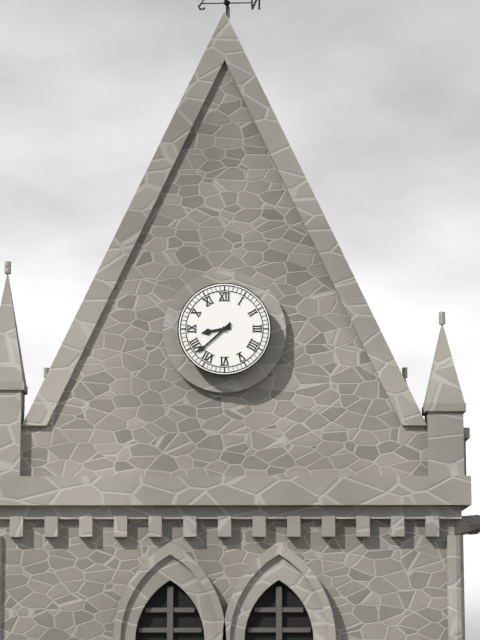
{"hour": 8, "minute": 38}
